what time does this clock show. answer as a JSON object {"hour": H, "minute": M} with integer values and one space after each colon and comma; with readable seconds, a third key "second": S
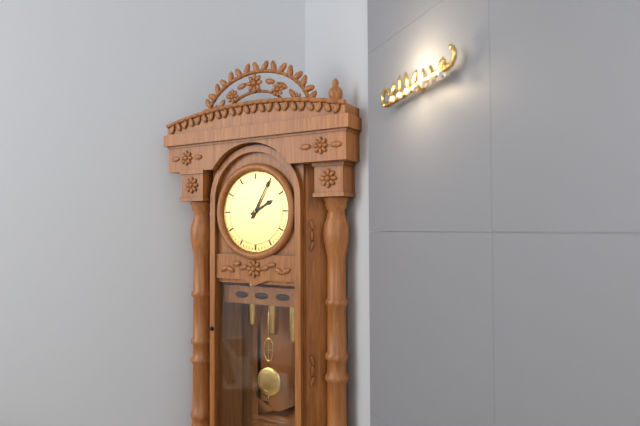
{"hour": 2, "minute": 5}
